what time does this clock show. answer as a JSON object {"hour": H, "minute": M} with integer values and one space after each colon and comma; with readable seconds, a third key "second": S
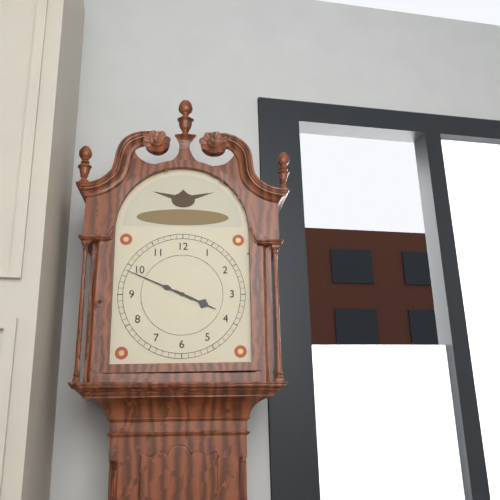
{"hour": 3, "minute": 49}
